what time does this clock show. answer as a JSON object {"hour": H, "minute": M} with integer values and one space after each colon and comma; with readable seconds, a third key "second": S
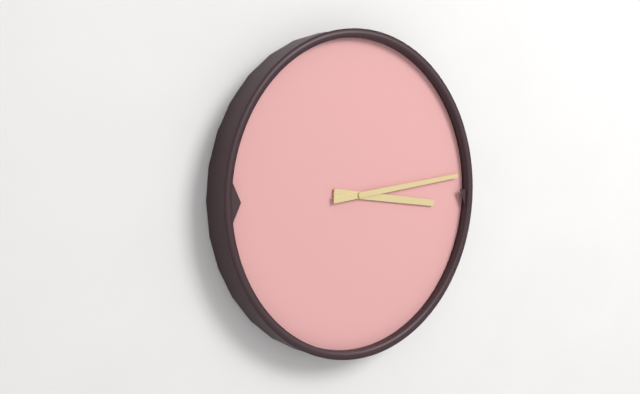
{"hour": 3, "minute": 14}
